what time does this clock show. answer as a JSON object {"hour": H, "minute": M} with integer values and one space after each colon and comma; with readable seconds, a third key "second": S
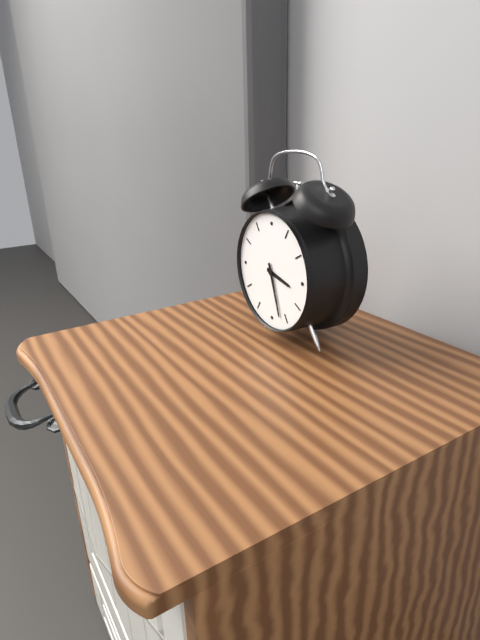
{"hour": 3, "minute": 27}
